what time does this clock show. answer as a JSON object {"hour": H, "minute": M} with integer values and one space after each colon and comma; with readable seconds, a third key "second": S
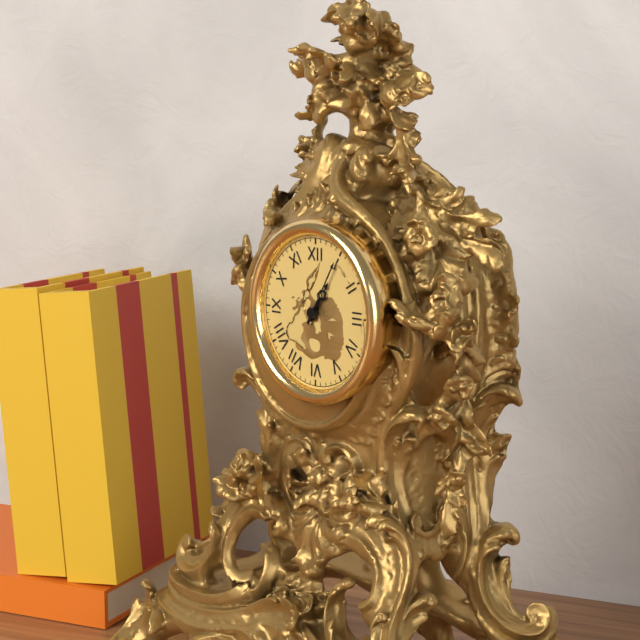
{"hour": 1, "minute": 5}
